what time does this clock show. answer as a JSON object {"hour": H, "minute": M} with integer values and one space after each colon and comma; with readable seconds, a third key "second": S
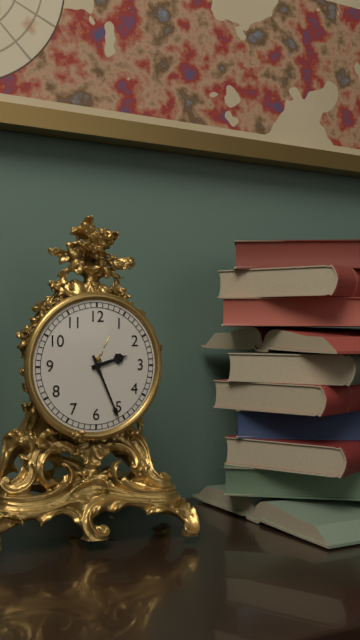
{"hour": 2, "minute": 26}
